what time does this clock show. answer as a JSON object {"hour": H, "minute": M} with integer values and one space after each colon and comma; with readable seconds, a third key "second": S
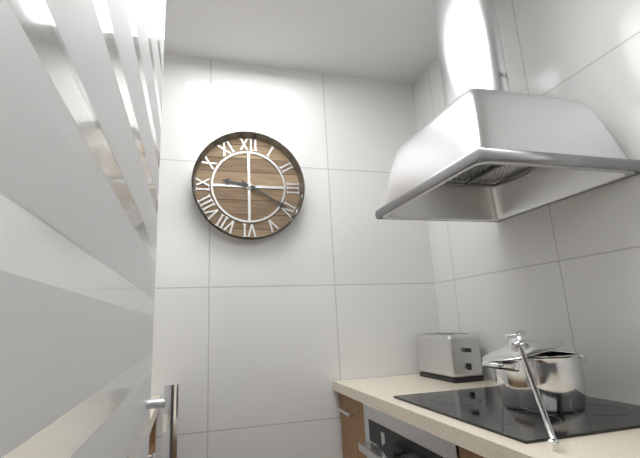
{"hour": 9, "minute": 20}
